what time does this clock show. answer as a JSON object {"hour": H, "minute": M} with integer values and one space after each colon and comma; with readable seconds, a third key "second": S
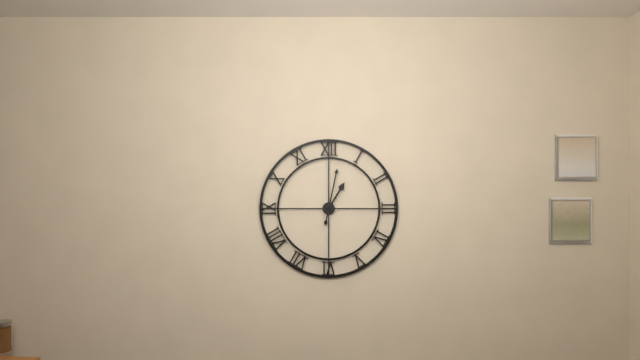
{"hour": 1, "minute": 2}
